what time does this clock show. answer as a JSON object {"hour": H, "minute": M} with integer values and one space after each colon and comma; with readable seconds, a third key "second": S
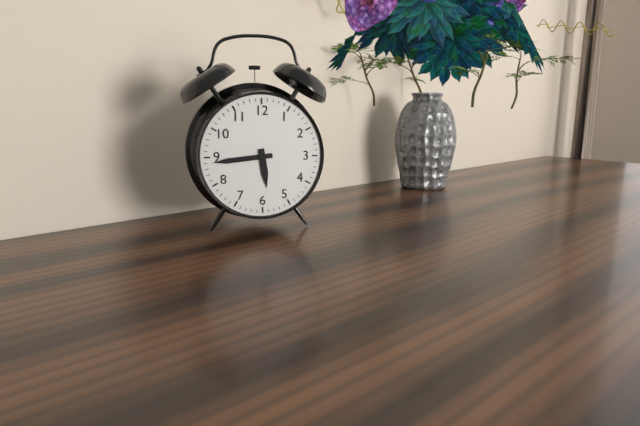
{"hour": 5, "minute": 44}
